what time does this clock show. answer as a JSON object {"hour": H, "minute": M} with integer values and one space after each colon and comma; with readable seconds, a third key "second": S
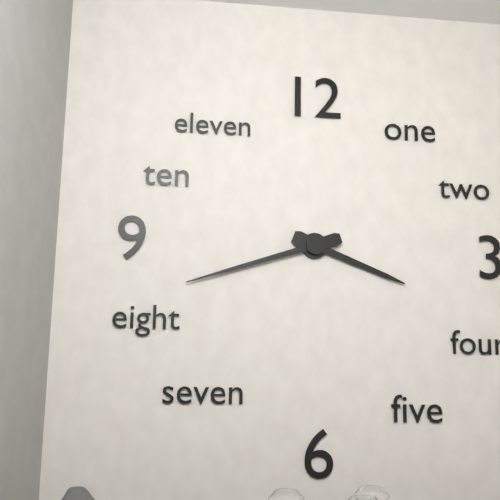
{"hour": 3, "minute": 42}
